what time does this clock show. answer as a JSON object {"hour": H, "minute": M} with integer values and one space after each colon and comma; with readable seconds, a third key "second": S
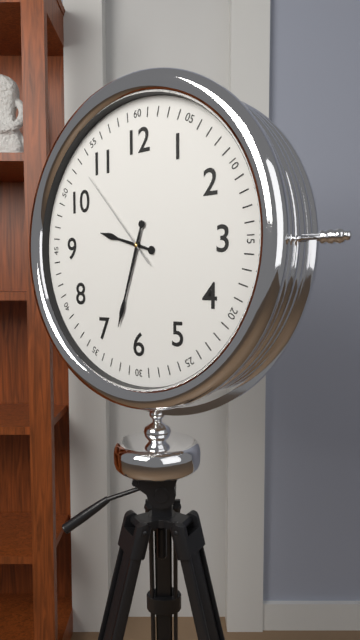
{"hour": 9, "minute": 33, "second": 53}
